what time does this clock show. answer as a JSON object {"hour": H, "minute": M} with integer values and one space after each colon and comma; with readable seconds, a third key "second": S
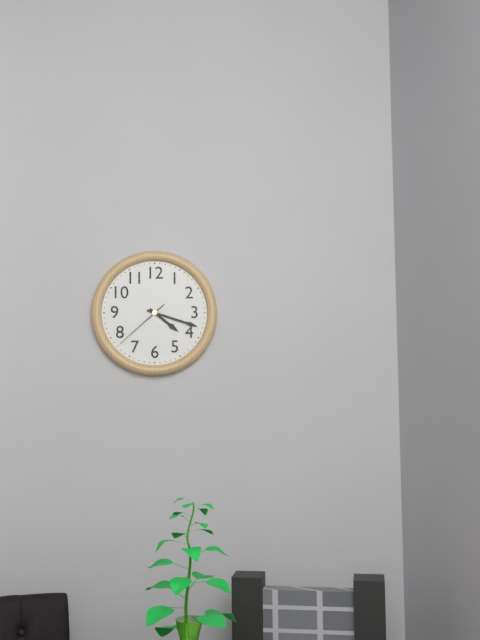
{"hour": 4, "minute": 18, "second": 38}
